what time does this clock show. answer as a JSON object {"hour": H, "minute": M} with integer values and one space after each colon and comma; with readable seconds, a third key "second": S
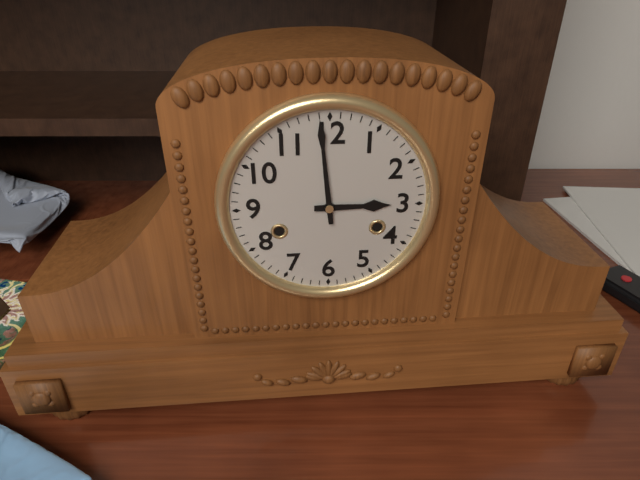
{"hour": 2, "minute": 59}
